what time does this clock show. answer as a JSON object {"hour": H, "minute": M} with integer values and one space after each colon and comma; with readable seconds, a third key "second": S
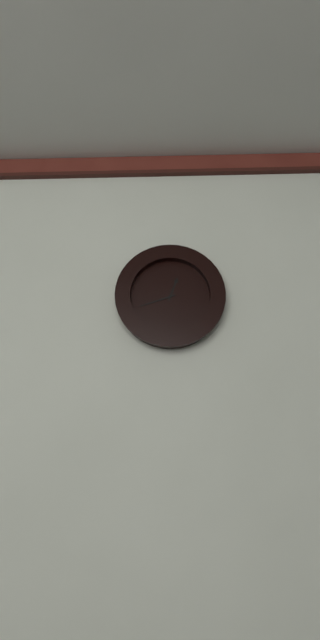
{"hour": 12, "minute": 42}
